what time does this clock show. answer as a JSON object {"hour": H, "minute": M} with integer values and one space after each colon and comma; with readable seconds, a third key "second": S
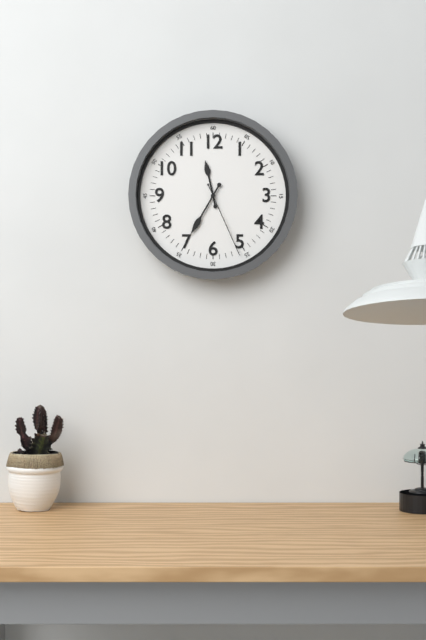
{"hour": 11, "minute": 35, "second": 26}
